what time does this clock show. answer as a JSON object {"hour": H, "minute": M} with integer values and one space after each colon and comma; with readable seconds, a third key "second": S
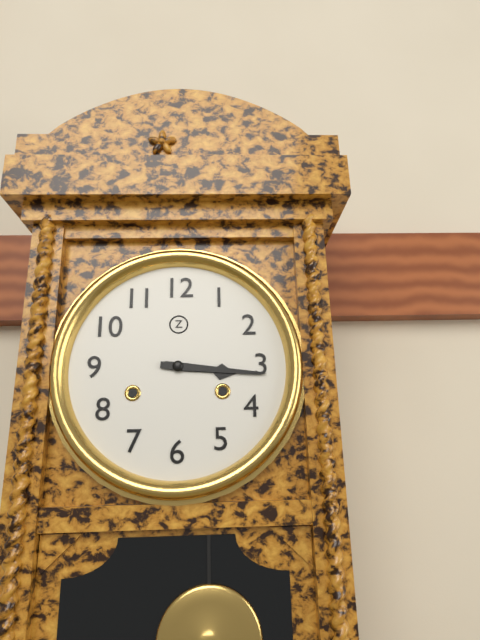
{"hour": 3, "minute": 16}
